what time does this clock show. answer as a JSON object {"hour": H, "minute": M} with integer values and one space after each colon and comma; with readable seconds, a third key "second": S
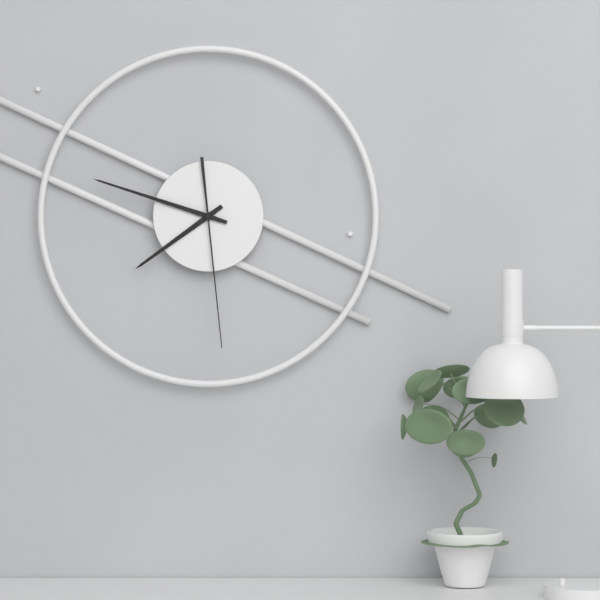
{"hour": 7, "minute": 48, "second": 29}
